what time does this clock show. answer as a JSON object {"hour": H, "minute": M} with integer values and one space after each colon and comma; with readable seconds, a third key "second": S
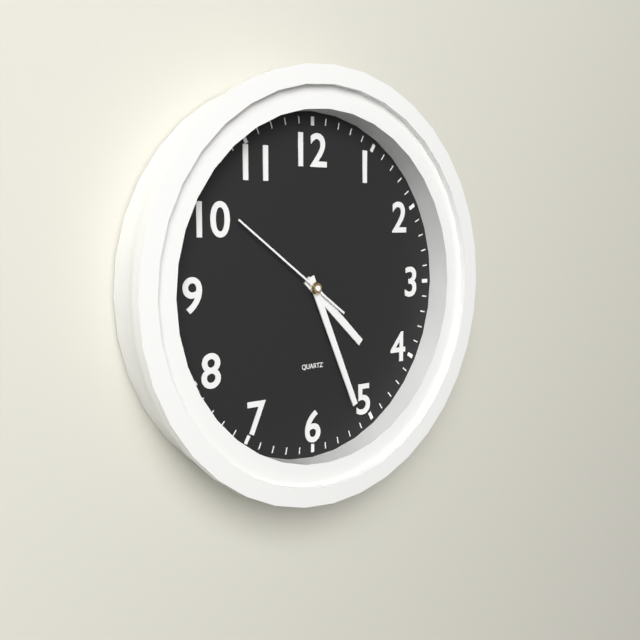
{"hour": 4, "minute": 26, "second": 51}
